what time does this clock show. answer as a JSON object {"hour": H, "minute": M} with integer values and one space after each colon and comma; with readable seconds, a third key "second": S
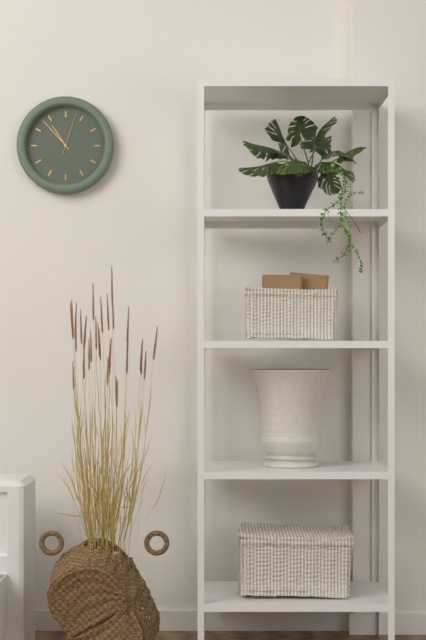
{"hour": 10, "minute": 53}
